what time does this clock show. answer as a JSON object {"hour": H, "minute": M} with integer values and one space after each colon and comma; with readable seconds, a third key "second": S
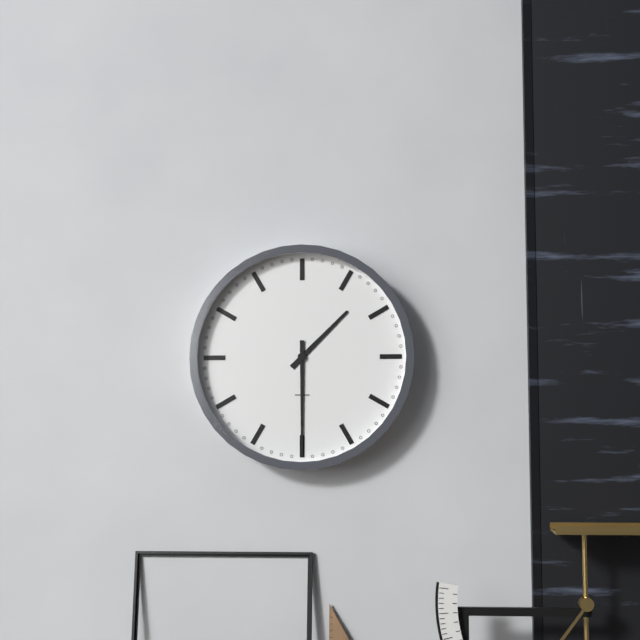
{"hour": 1, "minute": 30}
